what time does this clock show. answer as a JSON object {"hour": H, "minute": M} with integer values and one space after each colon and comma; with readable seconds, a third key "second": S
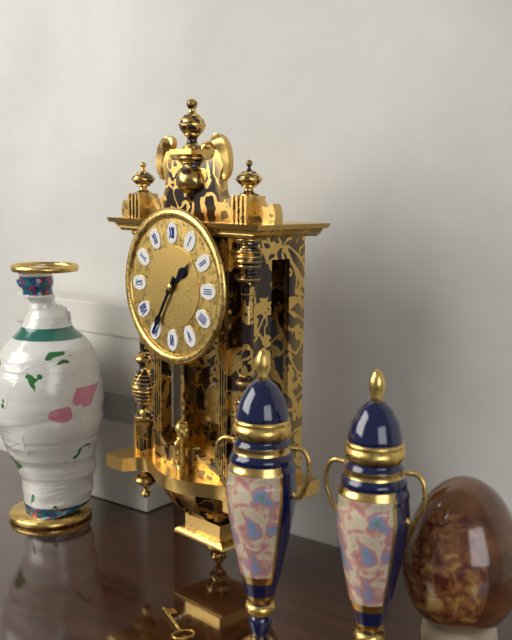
{"hour": 1, "minute": 35}
